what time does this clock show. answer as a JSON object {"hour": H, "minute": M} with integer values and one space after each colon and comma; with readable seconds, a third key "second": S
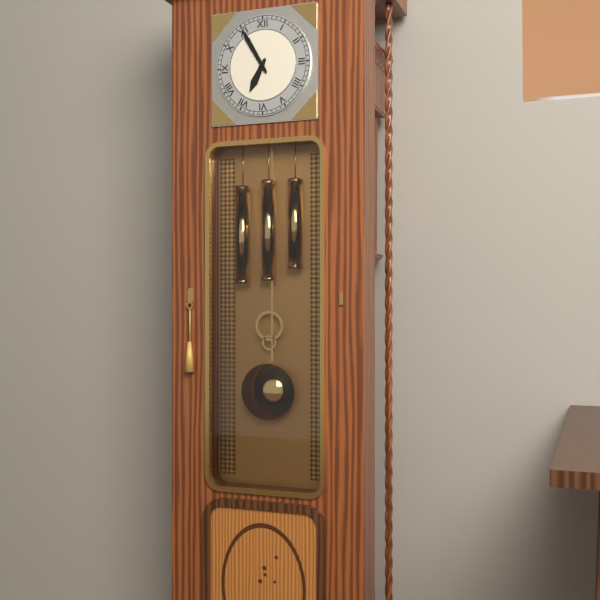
{"hour": 6, "minute": 55}
